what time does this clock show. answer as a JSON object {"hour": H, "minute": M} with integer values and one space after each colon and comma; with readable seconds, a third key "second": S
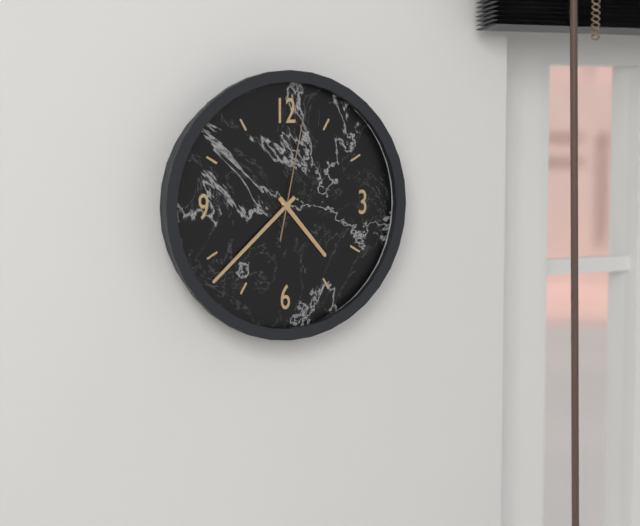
{"hour": 4, "minute": 38, "second": 2}
